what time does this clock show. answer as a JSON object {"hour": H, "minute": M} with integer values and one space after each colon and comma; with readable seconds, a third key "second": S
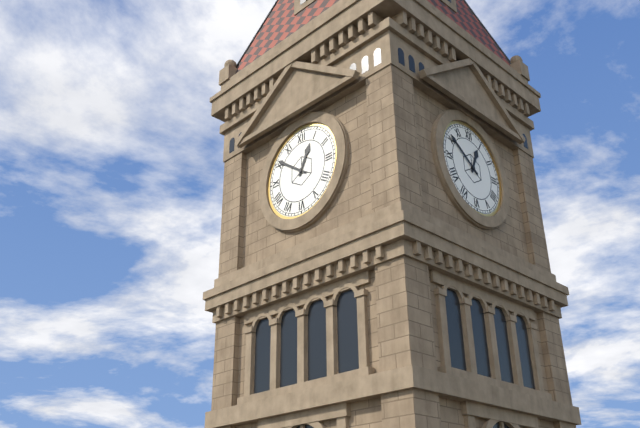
{"hour": 12, "minute": 51}
